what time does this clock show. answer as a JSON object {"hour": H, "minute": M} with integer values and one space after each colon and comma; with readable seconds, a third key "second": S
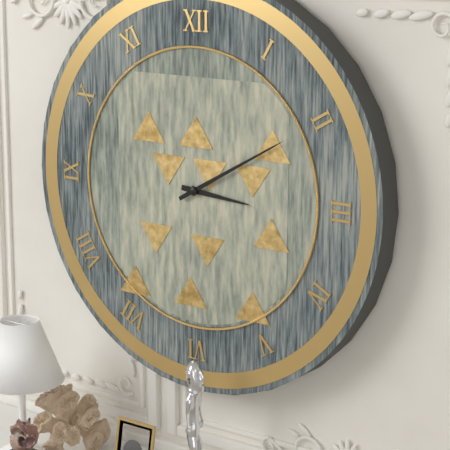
{"hour": 3, "minute": 10}
